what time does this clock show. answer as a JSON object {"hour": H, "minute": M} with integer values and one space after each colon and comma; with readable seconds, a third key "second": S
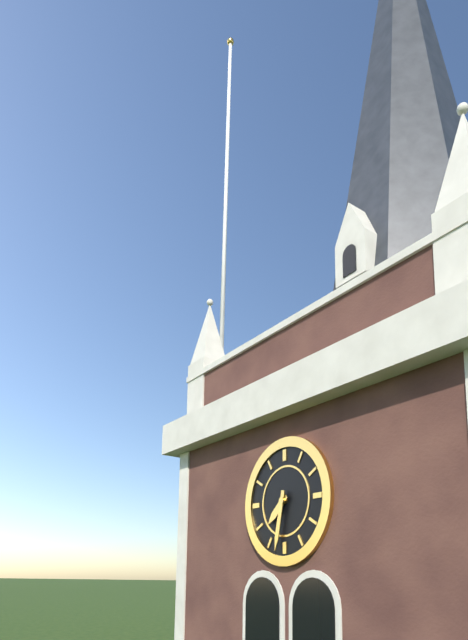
{"hour": 7, "minute": 32}
